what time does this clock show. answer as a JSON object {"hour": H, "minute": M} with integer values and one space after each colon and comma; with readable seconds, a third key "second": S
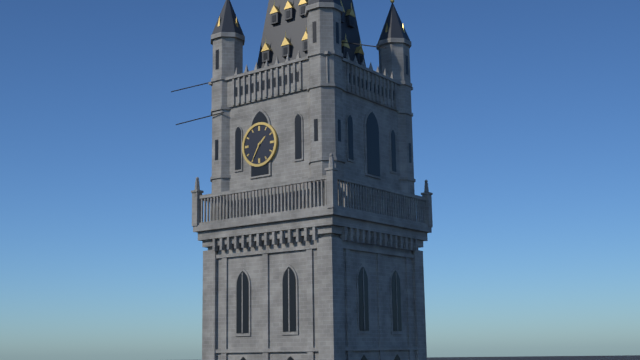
{"hour": 1, "minute": 35}
